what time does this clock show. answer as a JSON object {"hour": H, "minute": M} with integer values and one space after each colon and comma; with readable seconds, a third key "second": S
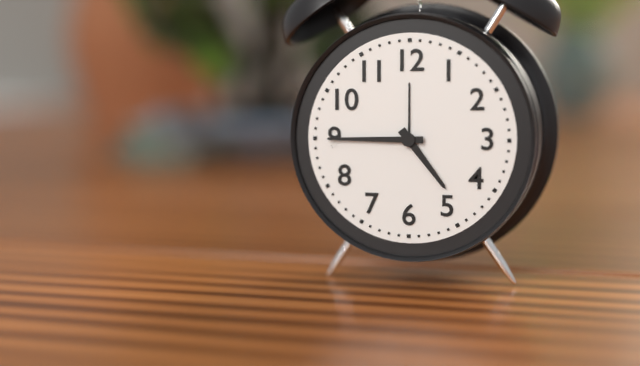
{"hour": 4, "minute": 45}
